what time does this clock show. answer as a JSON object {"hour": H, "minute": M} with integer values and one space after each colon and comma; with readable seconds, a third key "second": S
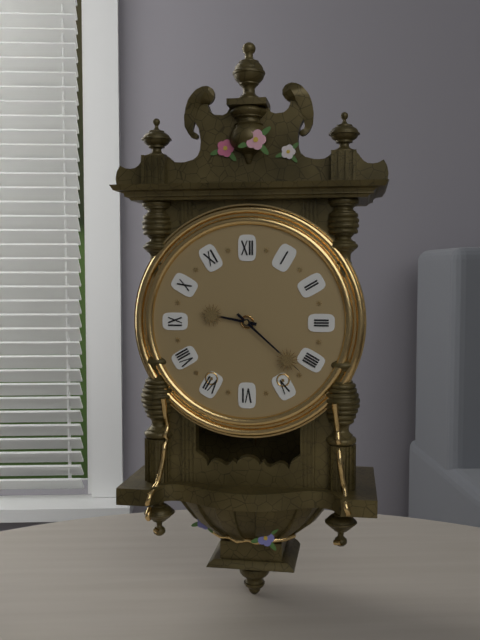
{"hour": 9, "minute": 22}
